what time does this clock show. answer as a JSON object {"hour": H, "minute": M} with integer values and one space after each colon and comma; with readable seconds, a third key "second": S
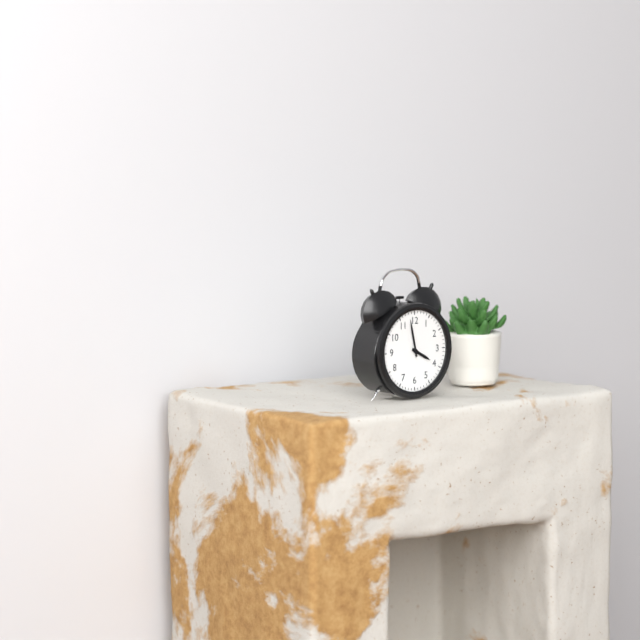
{"hour": 3, "minute": 58}
